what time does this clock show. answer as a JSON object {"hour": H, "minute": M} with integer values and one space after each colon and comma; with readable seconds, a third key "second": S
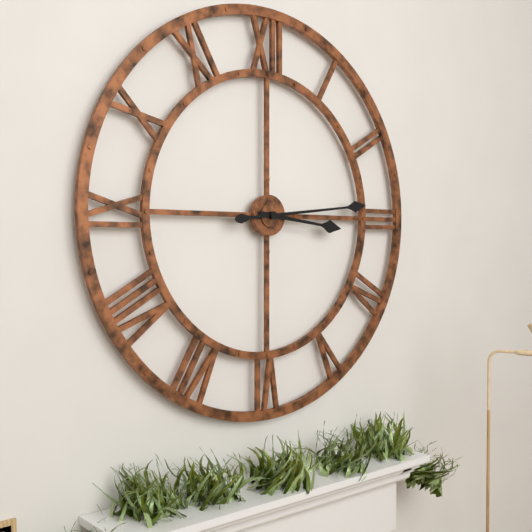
{"hour": 3, "minute": 14}
